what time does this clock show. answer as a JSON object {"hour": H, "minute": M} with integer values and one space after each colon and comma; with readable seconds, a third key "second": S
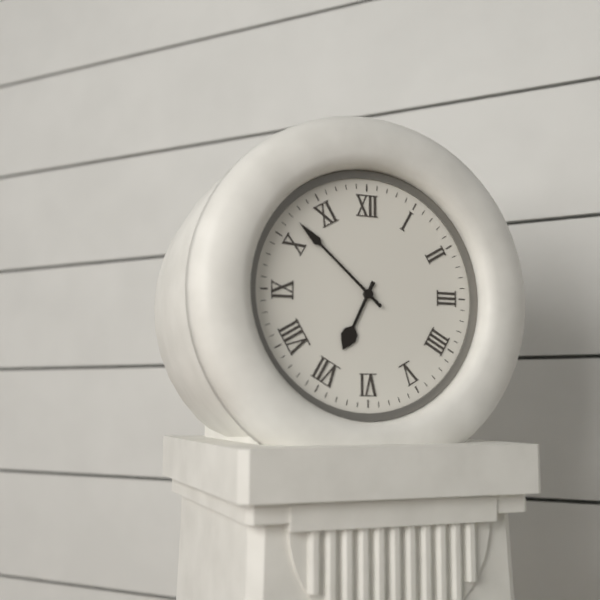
{"hour": 6, "minute": 52}
